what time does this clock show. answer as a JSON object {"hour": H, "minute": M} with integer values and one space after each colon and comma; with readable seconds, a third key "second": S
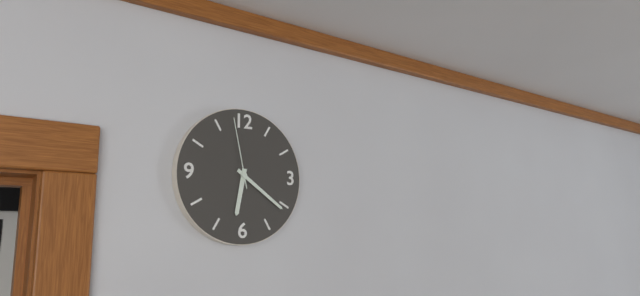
{"hour": 6, "minute": 21, "second": 58}
